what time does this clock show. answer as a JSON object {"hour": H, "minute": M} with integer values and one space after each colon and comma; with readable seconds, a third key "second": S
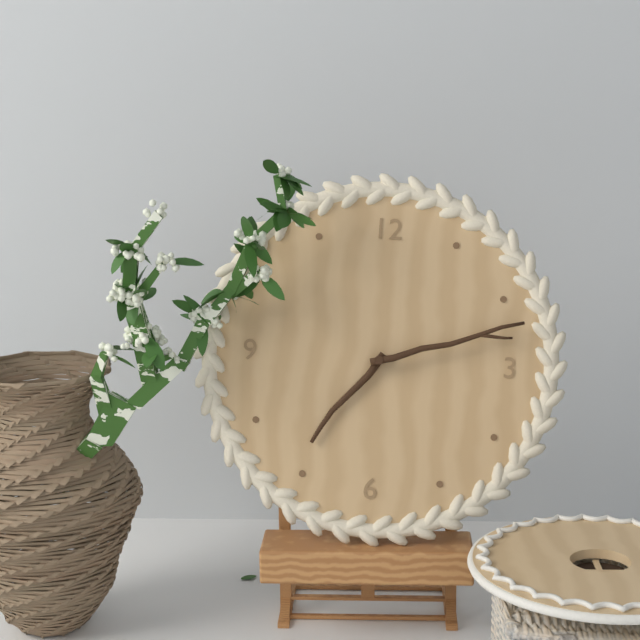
{"hour": 7, "minute": 12}
